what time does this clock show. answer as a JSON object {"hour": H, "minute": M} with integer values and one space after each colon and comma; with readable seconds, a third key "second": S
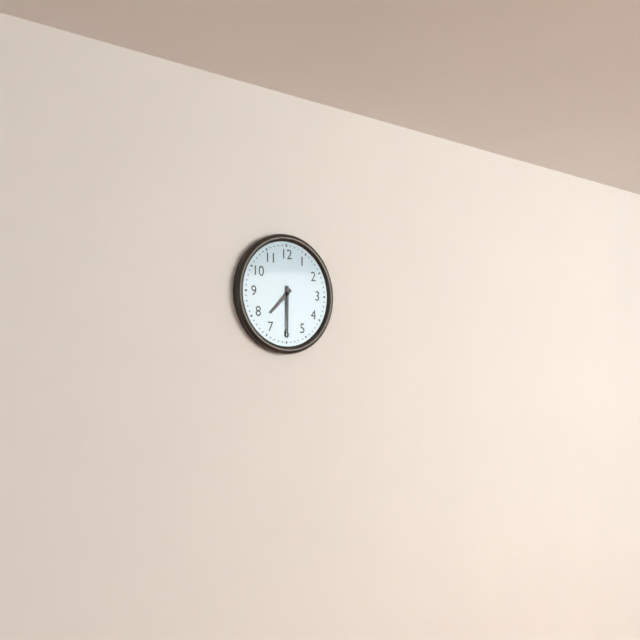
{"hour": 7, "minute": 30}
